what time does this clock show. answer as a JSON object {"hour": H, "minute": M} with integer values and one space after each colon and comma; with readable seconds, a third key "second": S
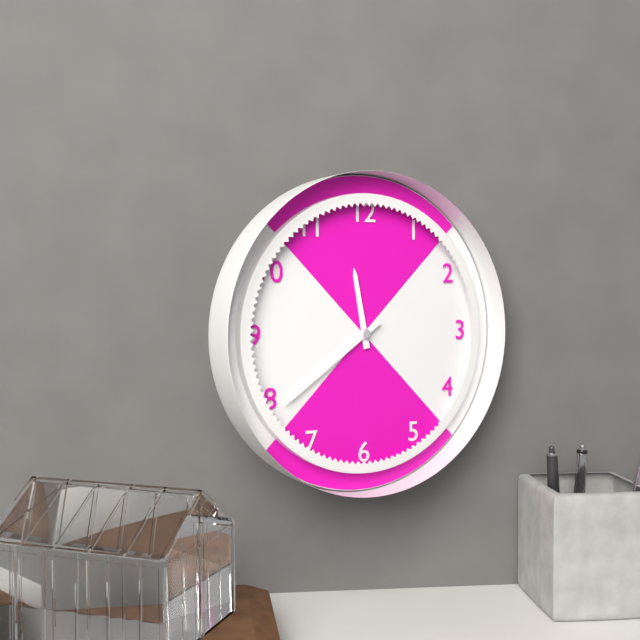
{"hour": 11, "minute": 39}
